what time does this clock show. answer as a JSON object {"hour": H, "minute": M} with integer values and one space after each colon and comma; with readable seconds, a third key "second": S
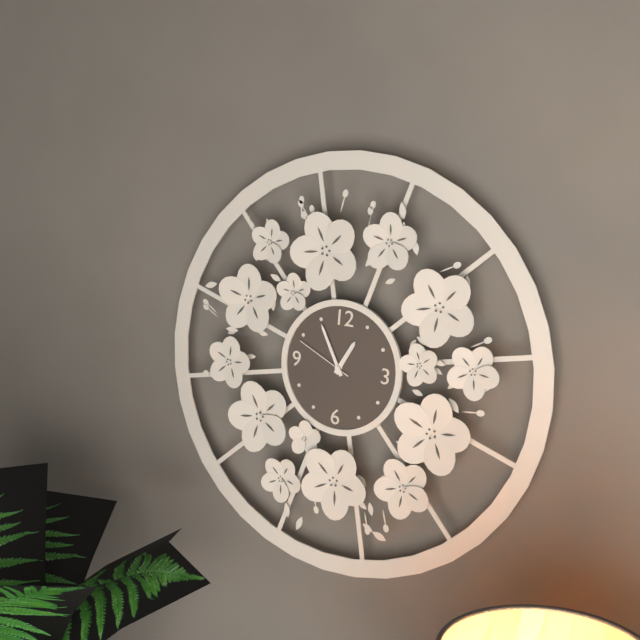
{"hour": 12, "minute": 55, "second": 49}
